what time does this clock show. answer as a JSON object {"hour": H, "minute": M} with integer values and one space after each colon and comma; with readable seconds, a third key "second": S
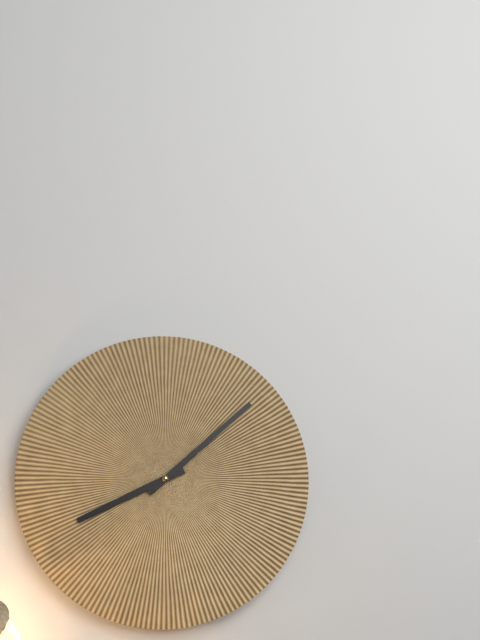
{"hour": 8, "minute": 8}
